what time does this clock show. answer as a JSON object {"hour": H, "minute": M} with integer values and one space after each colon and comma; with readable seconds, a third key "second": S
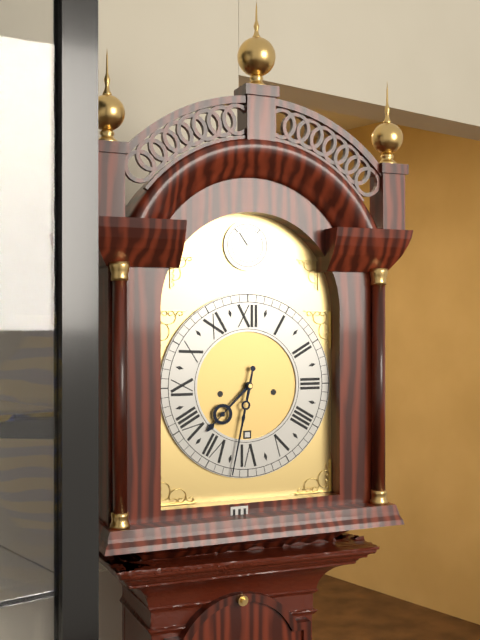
{"hour": 7, "minute": 32}
